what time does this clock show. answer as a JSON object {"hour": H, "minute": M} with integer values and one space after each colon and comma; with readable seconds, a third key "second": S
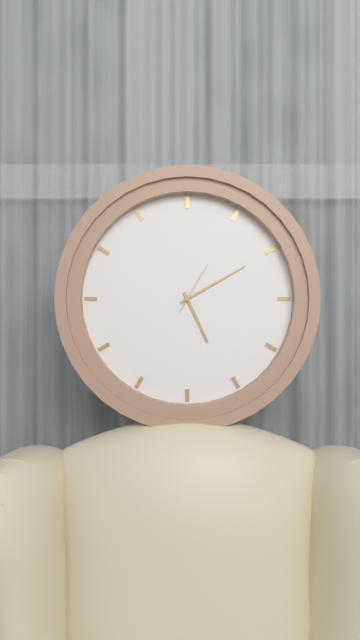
{"hour": 5, "minute": 10, "second": 5}
